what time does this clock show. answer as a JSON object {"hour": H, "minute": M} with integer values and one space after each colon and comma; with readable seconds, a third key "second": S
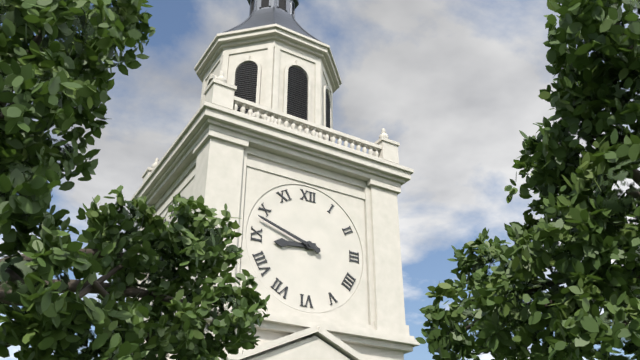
{"hour": 8, "minute": 48}
